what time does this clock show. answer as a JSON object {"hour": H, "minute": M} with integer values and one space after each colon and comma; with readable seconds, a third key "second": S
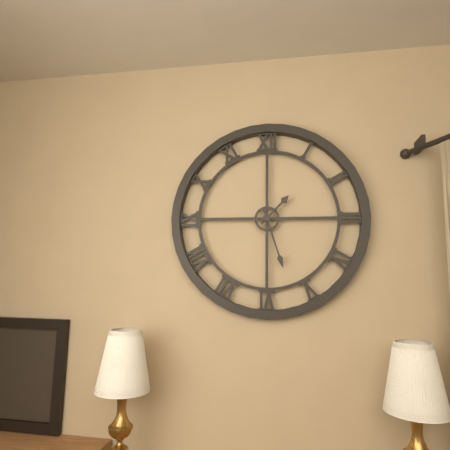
{"hour": 1, "minute": 27}
